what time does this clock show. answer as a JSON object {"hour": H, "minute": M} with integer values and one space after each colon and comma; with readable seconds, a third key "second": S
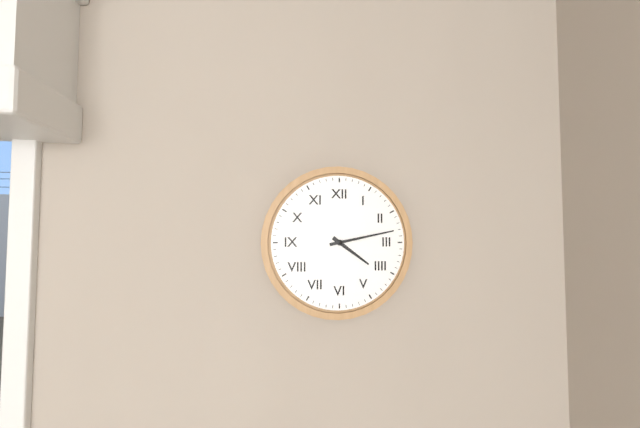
{"hour": 4, "minute": 13}
